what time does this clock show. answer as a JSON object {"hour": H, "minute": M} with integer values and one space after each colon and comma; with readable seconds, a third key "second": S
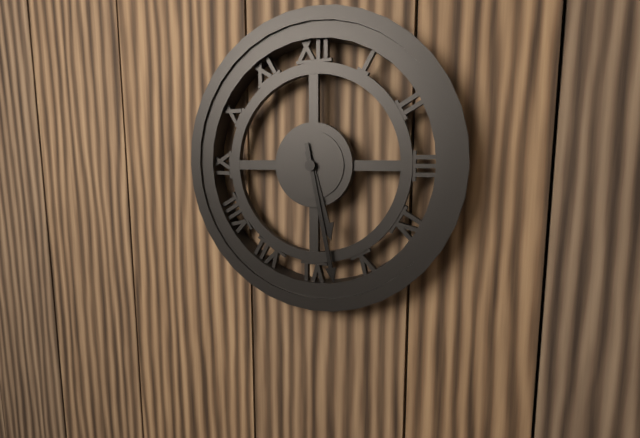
{"hour": 5, "minute": 28}
